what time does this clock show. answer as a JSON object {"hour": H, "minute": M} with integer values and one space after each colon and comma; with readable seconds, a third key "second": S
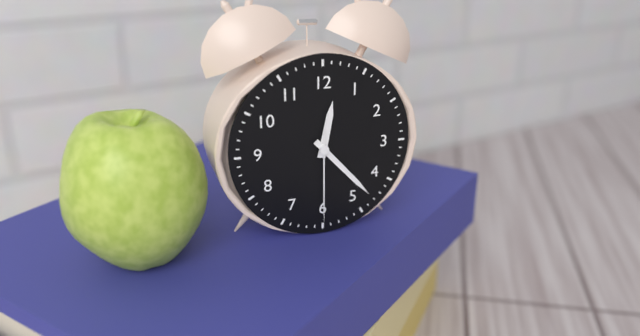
{"hour": 12, "minute": 23, "second": 30}
